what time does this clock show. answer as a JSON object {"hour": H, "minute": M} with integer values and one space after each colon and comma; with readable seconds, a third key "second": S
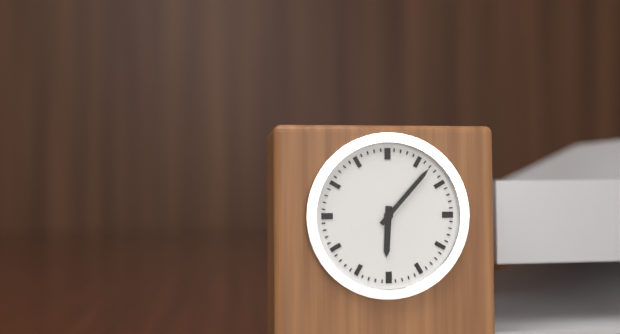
{"hour": 6, "minute": 7}
